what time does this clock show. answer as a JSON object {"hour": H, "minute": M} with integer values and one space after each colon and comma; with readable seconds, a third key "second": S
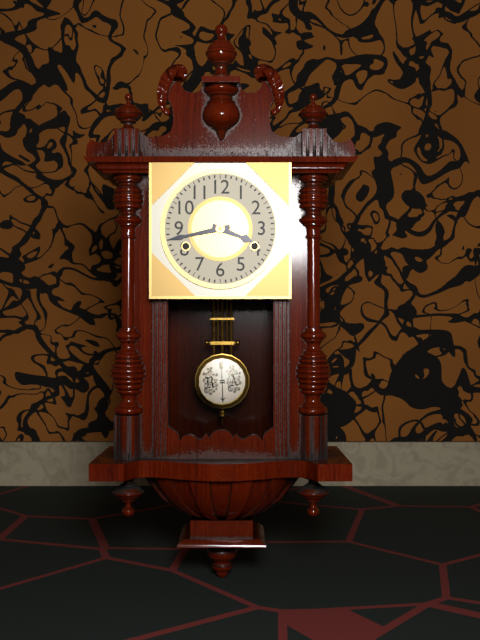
{"hour": 3, "minute": 43}
